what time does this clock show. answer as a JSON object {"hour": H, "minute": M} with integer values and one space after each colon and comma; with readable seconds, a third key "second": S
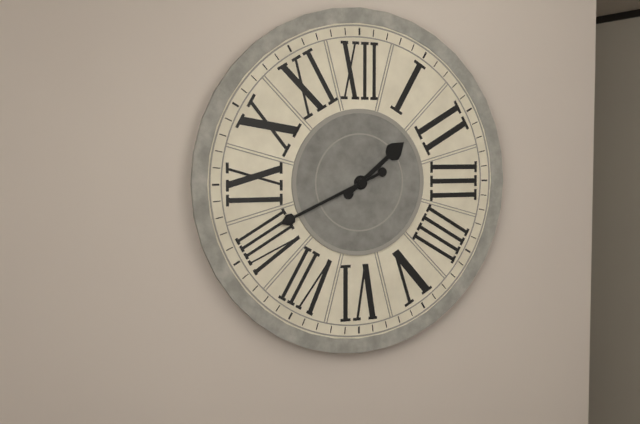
{"hour": 1, "minute": 41}
